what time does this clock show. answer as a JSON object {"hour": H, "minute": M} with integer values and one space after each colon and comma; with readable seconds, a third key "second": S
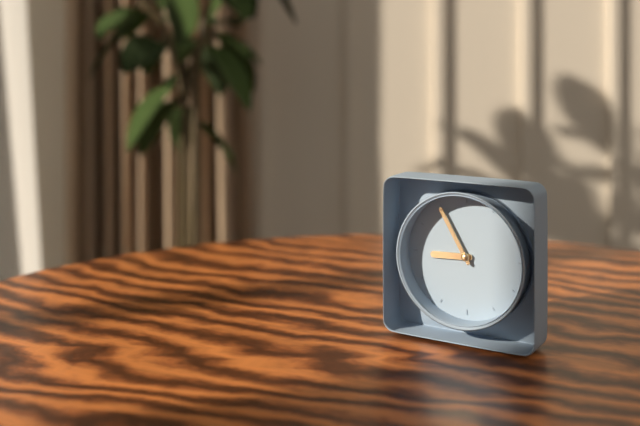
{"hour": 8, "minute": 55}
